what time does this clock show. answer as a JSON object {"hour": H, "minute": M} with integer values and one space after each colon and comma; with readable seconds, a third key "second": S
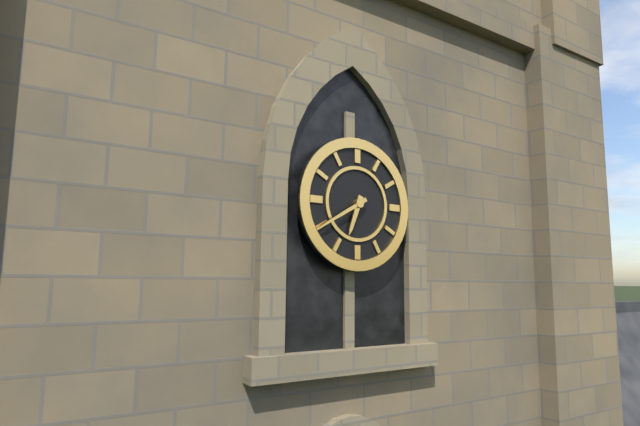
{"hour": 6, "minute": 40}
